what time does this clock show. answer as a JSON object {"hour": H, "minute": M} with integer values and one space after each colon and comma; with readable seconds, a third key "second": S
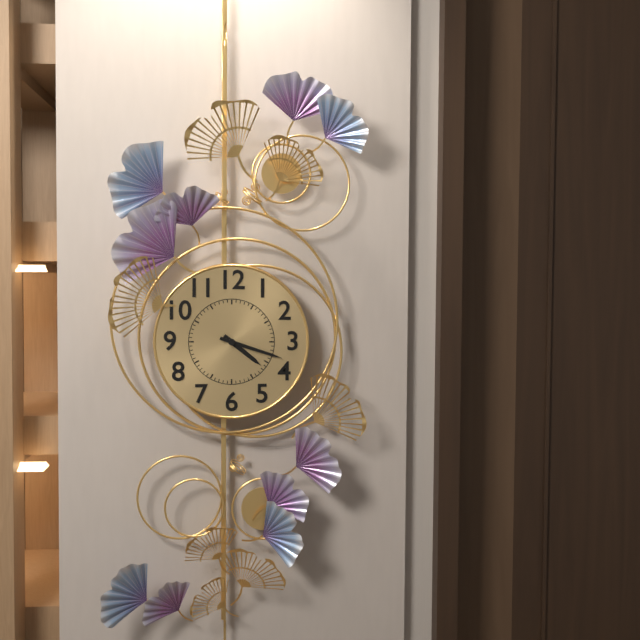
{"hour": 4, "minute": 18}
